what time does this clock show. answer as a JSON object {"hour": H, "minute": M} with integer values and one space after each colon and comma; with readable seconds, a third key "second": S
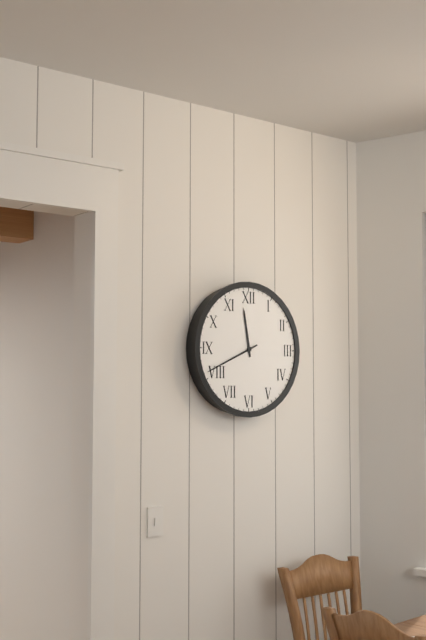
{"hour": 11, "minute": 41}
